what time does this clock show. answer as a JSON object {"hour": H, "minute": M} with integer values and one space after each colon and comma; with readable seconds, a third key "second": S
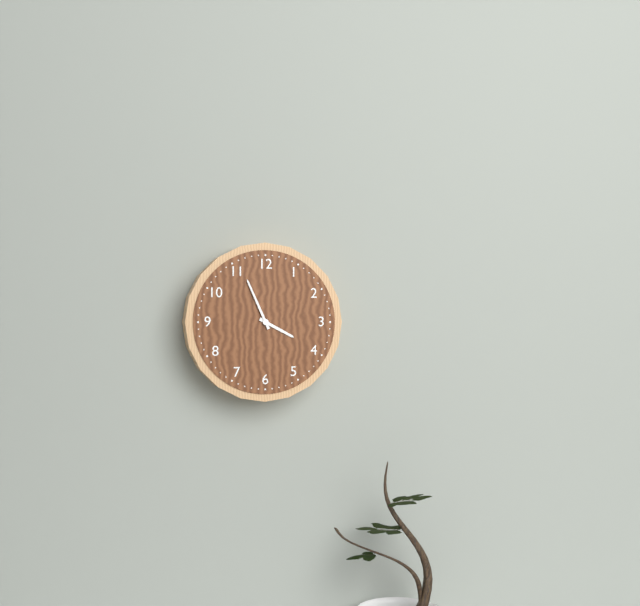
{"hour": 3, "minute": 56}
